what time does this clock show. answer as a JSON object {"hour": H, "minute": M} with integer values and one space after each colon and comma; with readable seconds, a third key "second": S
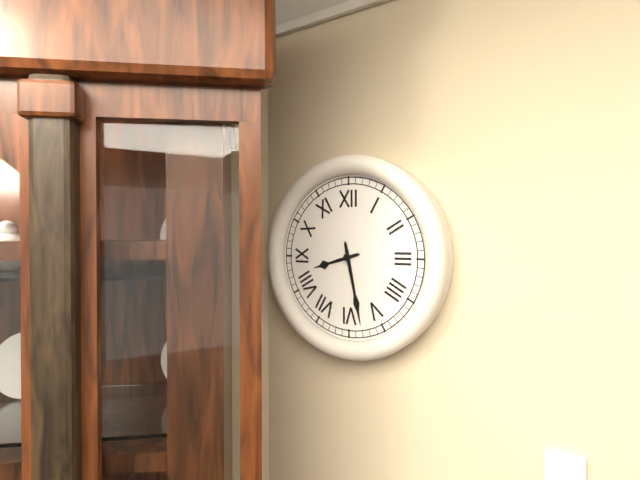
{"hour": 8, "minute": 28}
